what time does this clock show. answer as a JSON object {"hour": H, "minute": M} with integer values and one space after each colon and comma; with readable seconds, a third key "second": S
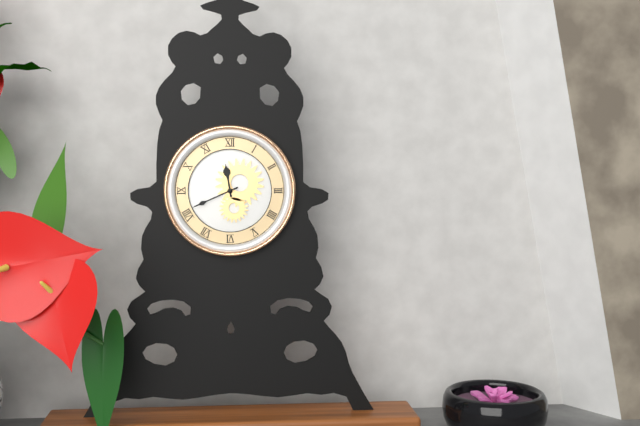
{"hour": 11, "minute": 41}
